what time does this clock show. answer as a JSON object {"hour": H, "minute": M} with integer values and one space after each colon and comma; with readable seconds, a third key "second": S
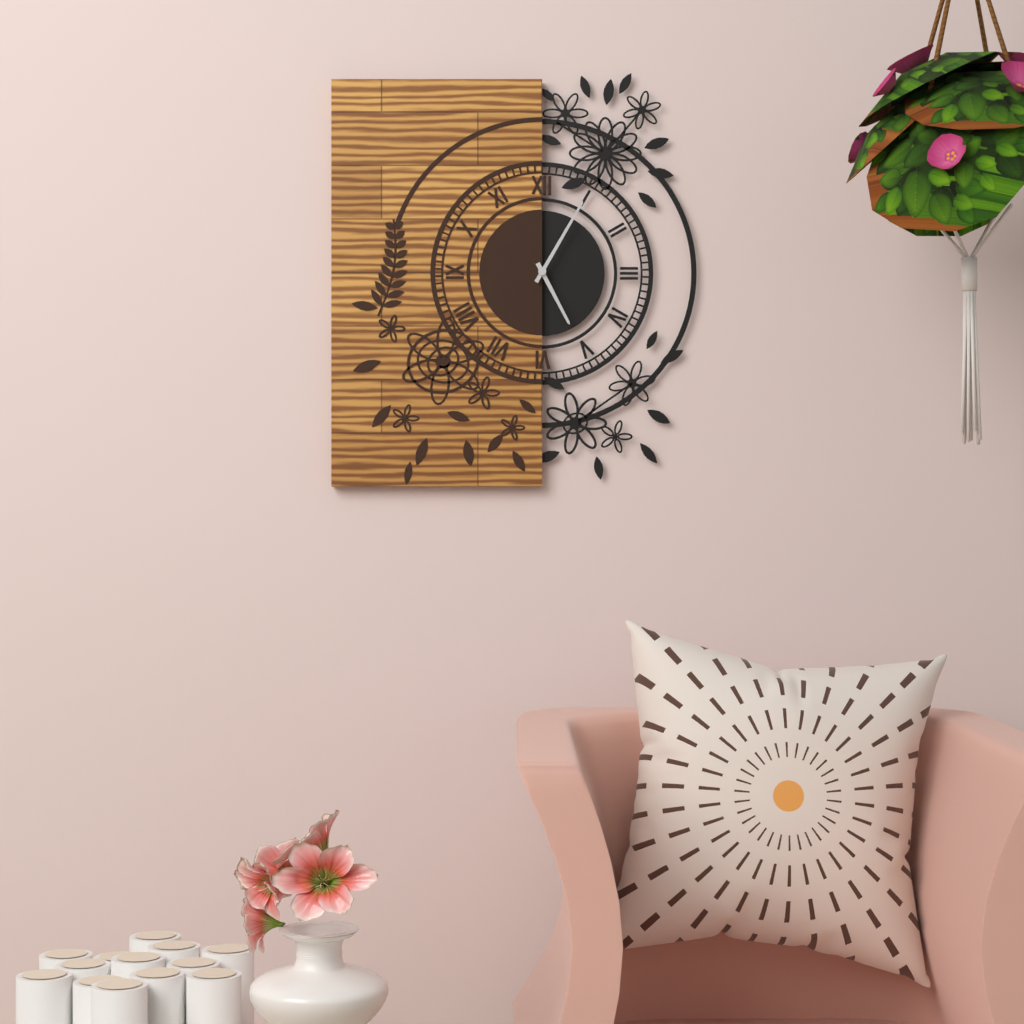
{"hour": 5, "minute": 5}
